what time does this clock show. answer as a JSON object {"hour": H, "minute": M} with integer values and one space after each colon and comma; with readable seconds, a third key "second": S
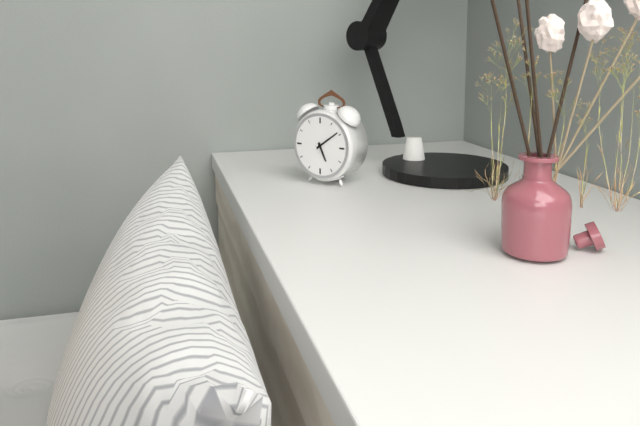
{"hour": 5, "minute": 9}
